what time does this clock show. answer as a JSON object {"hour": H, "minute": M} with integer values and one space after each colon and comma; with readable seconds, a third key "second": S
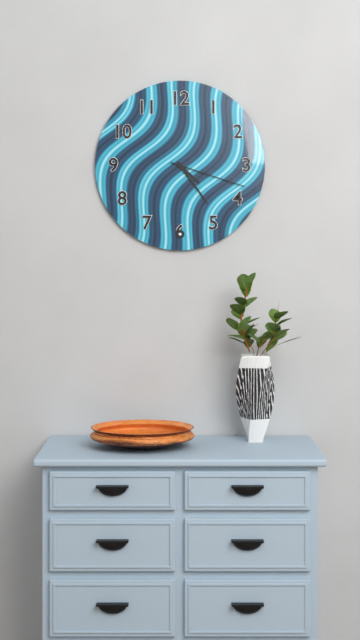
{"hour": 4, "minute": 24, "second": 18}
